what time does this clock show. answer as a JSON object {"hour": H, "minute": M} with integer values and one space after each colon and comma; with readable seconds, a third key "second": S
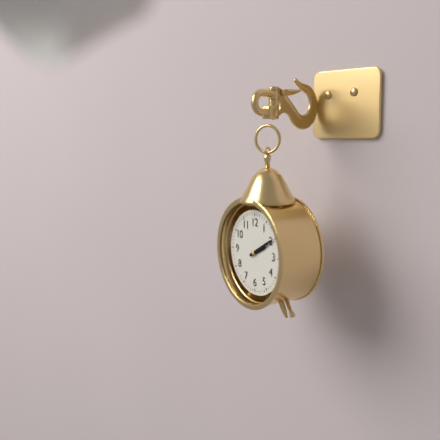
{"hour": 2, "minute": 10}
